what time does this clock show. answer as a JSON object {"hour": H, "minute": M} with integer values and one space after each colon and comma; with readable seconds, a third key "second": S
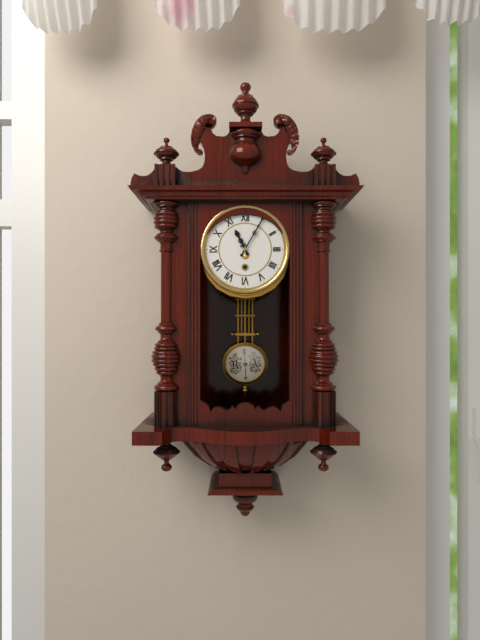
{"hour": 11, "minute": 5}
